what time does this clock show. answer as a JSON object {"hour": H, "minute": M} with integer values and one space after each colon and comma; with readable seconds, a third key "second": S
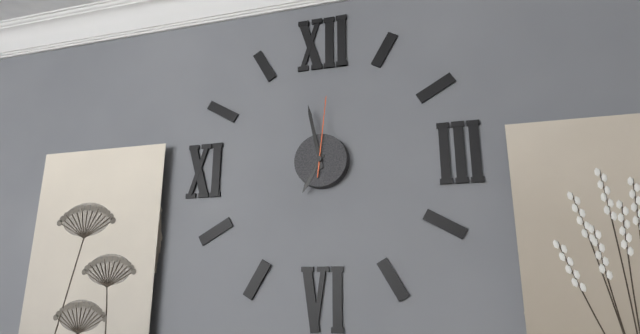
{"hour": 6, "minute": 58, "second": 1}
